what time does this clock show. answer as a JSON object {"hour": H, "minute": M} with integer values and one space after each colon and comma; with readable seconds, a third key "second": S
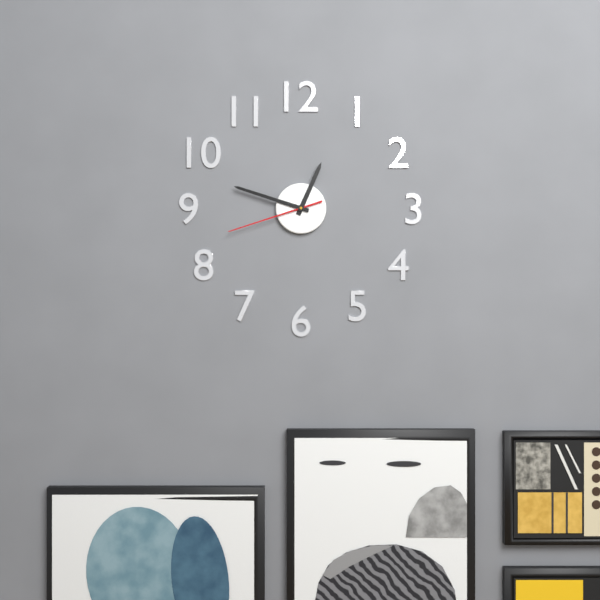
{"hour": 12, "minute": 48, "second": 42}
